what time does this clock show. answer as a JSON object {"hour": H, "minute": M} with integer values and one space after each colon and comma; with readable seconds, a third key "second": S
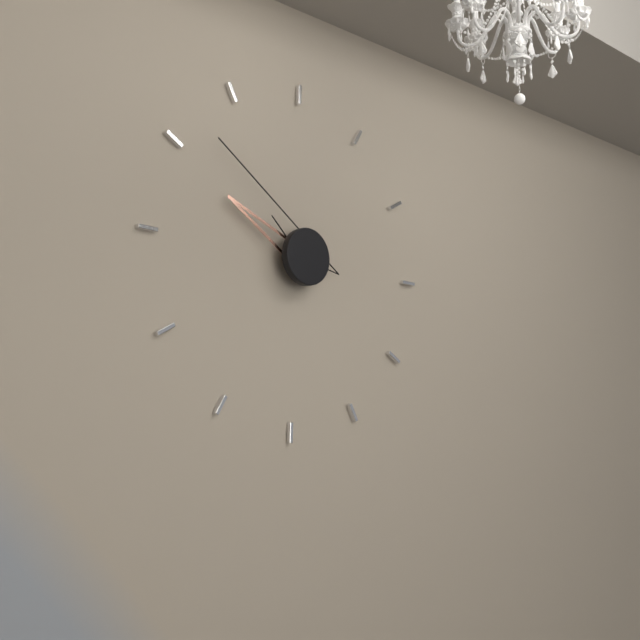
{"hour": 9, "minute": 52}
